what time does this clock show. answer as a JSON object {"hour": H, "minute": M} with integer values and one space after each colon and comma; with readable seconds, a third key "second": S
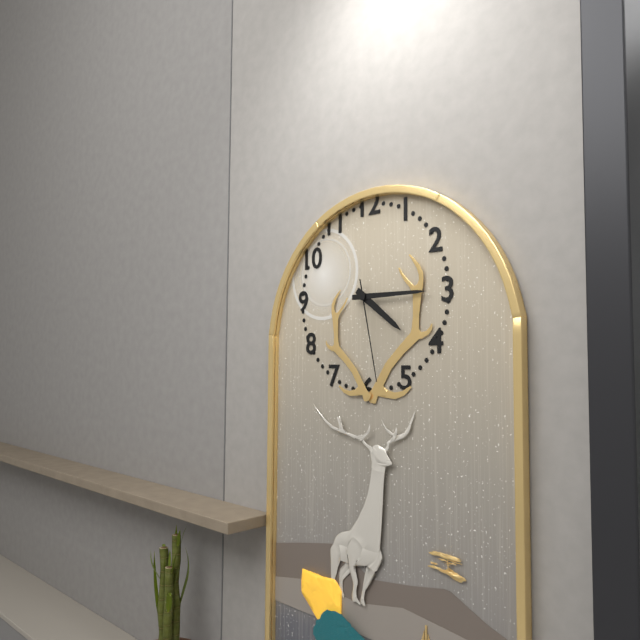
{"hour": 4, "minute": 15, "second": 28}
